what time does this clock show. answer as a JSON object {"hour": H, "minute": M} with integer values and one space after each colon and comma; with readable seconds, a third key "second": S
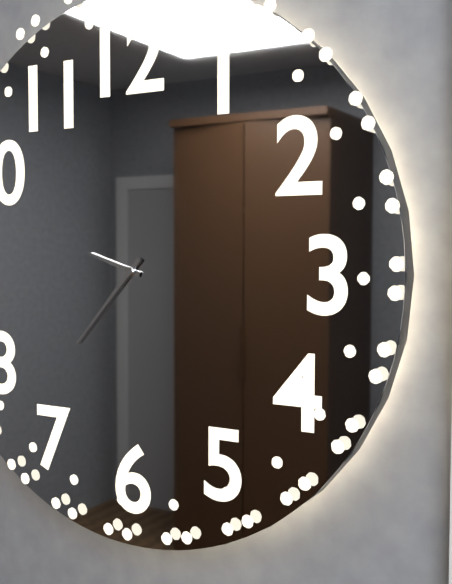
{"hour": 9, "minute": 37}
